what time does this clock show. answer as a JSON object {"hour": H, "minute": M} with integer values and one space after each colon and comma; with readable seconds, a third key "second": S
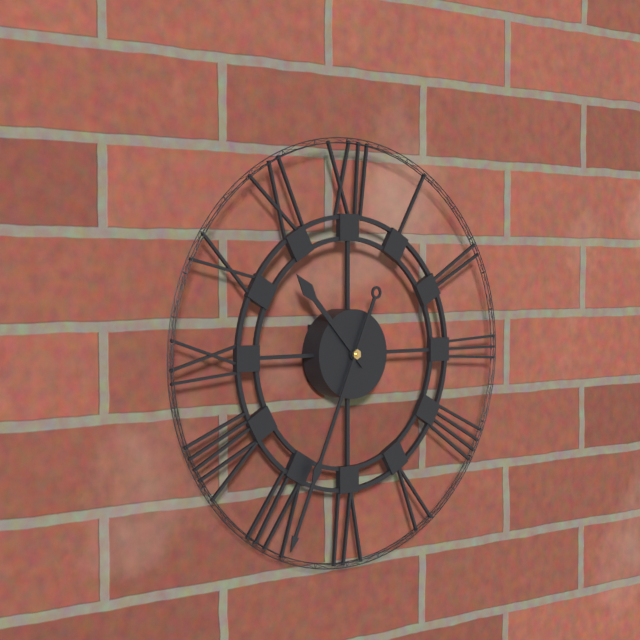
{"hour": 10, "minute": 34}
